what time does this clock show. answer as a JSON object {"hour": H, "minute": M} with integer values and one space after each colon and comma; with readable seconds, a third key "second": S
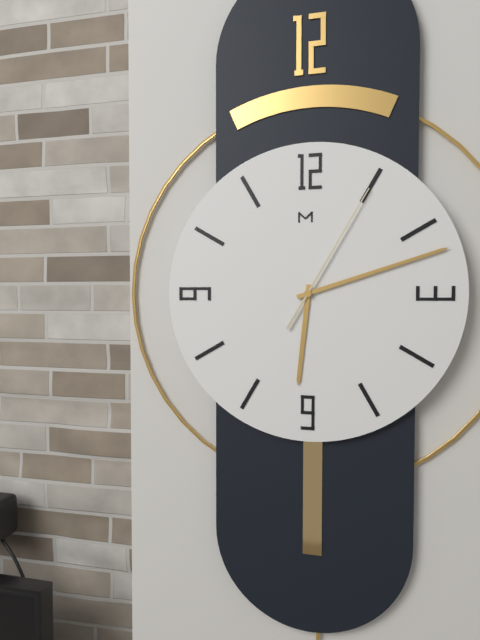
{"hour": 6, "minute": 12, "second": 5}
